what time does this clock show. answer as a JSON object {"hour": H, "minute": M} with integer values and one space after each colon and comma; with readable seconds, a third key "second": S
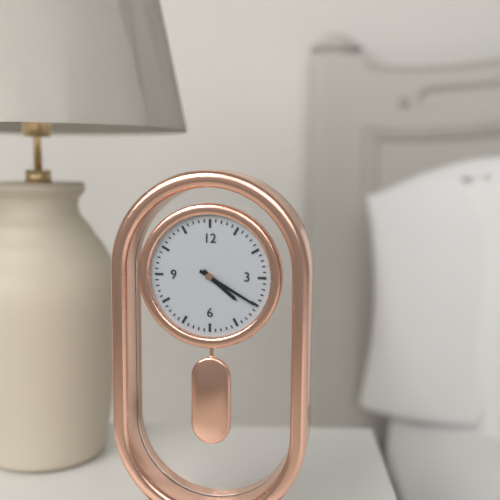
{"hour": 4, "minute": 20}
